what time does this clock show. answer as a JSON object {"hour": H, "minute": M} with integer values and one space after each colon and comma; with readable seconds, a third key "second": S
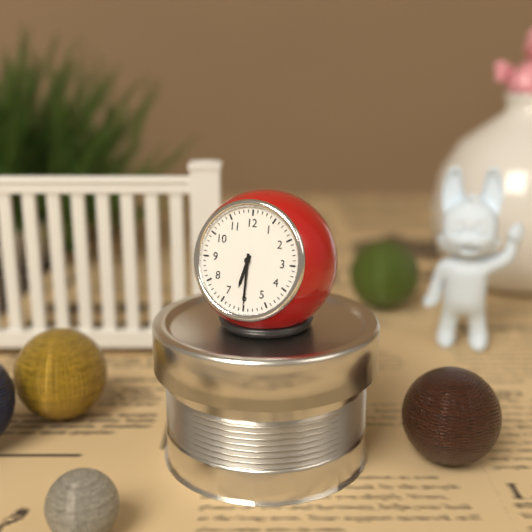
{"hour": 6, "minute": 30}
